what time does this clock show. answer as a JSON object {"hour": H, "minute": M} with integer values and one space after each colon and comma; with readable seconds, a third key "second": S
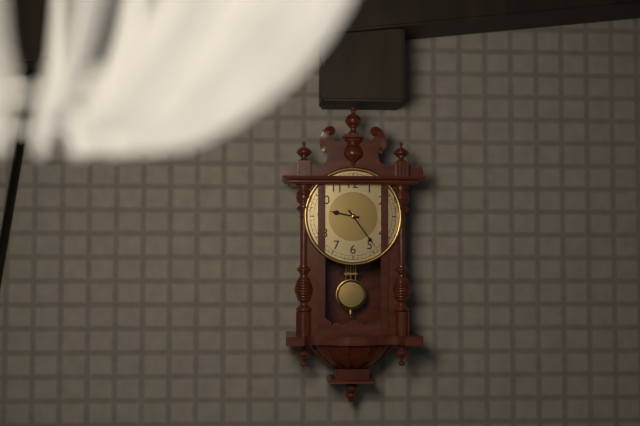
{"hour": 9, "minute": 24}
